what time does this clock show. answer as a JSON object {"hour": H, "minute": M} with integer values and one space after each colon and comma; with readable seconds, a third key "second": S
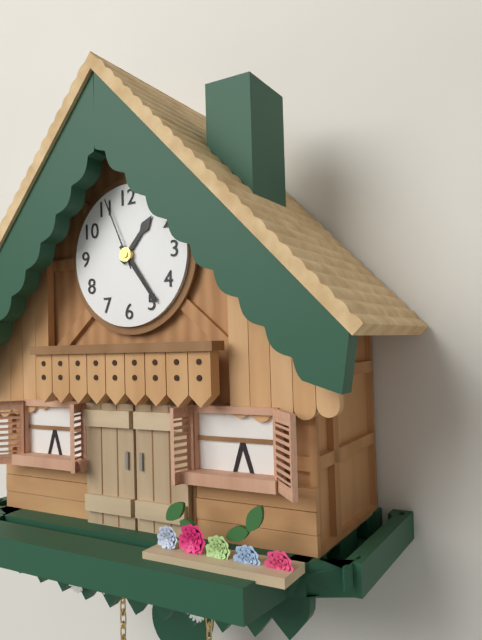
{"hour": 1, "minute": 24, "second": 56}
